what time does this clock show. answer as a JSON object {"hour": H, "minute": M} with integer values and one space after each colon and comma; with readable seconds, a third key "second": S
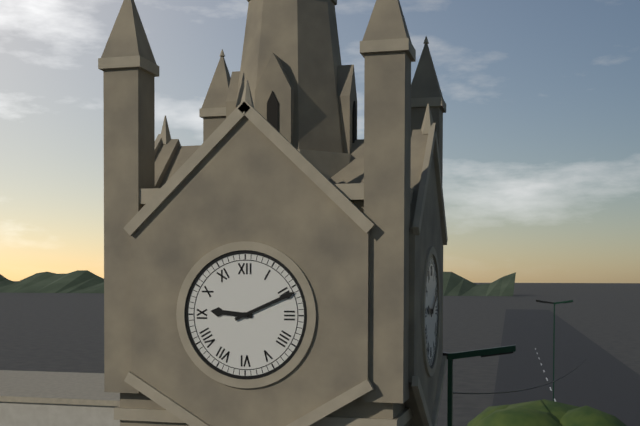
{"hour": 9, "minute": 11}
